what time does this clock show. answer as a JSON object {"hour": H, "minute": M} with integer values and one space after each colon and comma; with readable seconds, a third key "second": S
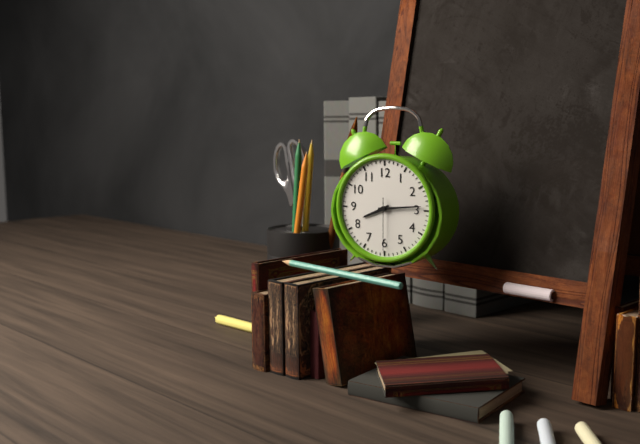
{"hour": 8, "minute": 14, "second": 30}
